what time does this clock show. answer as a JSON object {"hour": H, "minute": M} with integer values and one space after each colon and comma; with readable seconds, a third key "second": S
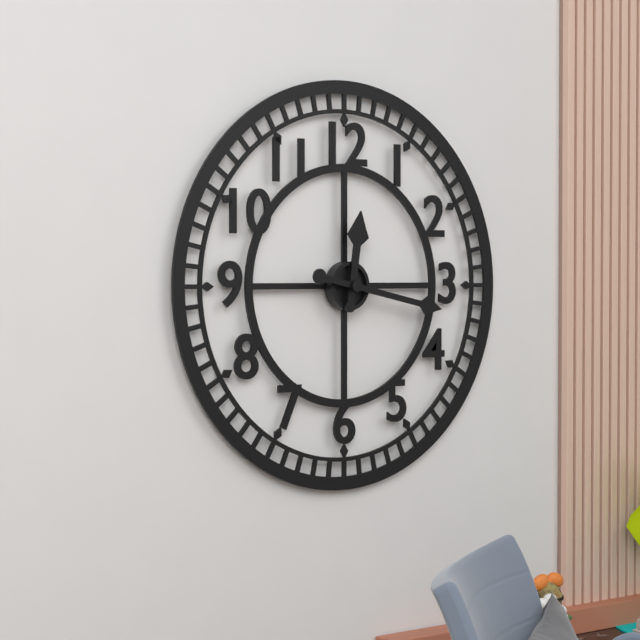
{"hour": 12, "minute": 17}
